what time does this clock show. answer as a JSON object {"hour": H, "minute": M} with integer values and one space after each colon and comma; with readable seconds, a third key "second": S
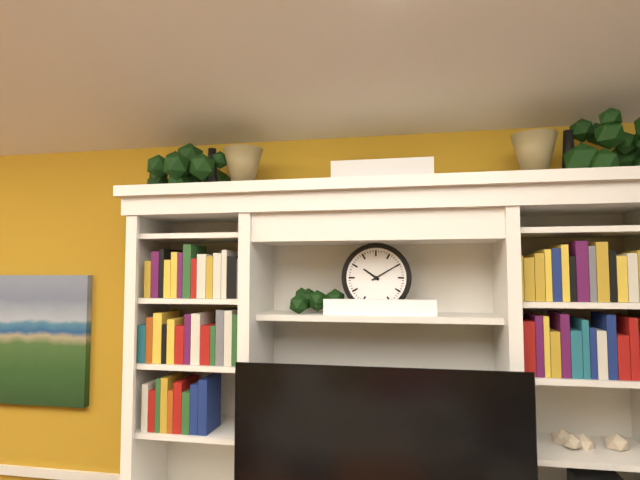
{"hour": 10, "minute": 10}
